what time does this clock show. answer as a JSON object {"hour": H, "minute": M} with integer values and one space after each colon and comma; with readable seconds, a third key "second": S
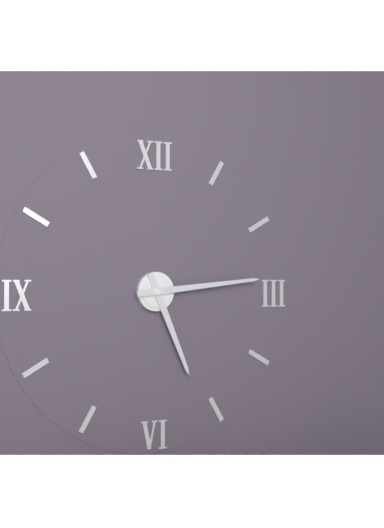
{"hour": 5, "minute": 14}
